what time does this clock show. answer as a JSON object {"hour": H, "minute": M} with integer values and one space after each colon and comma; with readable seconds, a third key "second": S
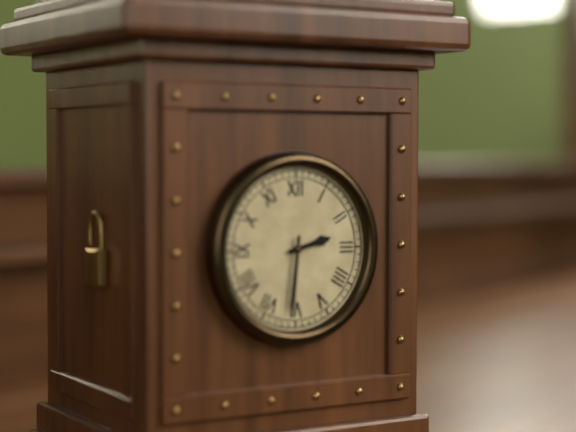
{"hour": 2, "minute": 31}
